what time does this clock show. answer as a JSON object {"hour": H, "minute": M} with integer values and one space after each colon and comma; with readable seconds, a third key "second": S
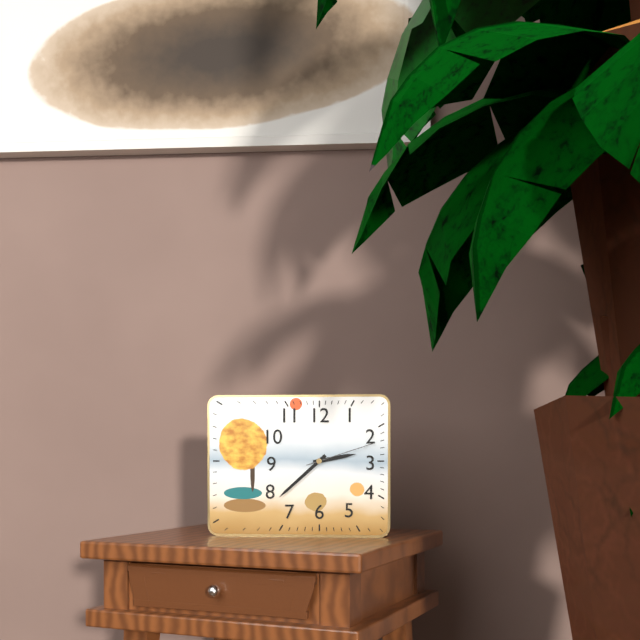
{"hour": 2, "minute": 38, "second": 12}
